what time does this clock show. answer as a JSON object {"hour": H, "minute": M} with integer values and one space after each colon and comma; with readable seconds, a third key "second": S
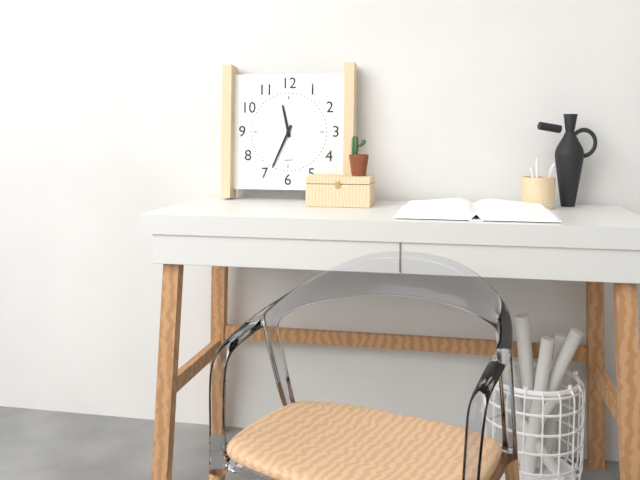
{"hour": 11, "minute": 34}
